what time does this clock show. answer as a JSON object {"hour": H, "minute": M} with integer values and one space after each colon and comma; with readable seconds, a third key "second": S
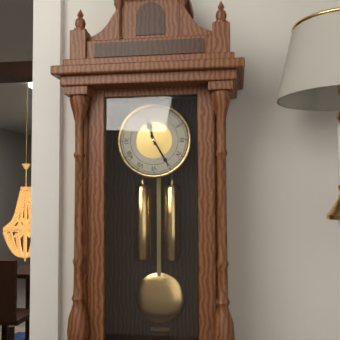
{"hour": 11, "minute": 25}
